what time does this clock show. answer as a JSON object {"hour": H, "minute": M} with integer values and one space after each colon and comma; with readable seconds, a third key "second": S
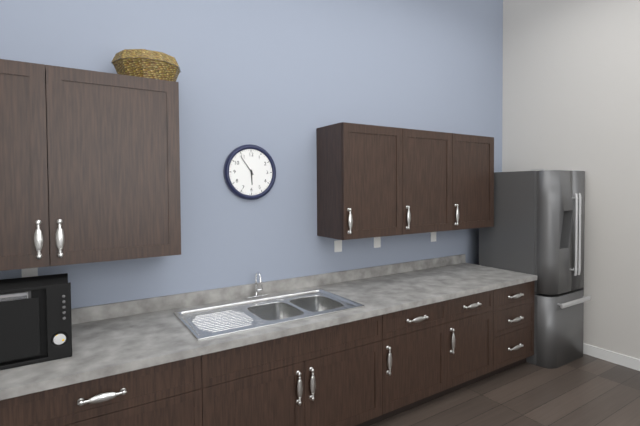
{"hour": 5, "minute": 54}
